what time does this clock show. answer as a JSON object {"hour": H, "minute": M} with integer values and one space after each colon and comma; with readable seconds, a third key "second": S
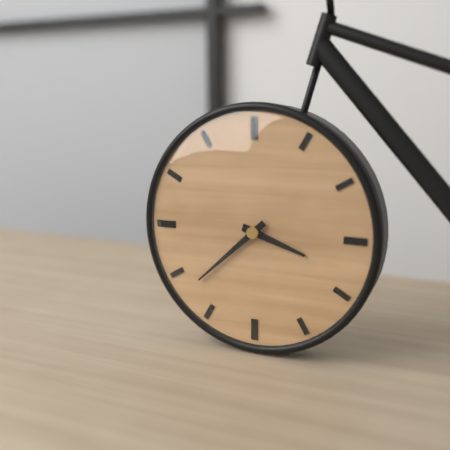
{"hour": 3, "minute": 38}
